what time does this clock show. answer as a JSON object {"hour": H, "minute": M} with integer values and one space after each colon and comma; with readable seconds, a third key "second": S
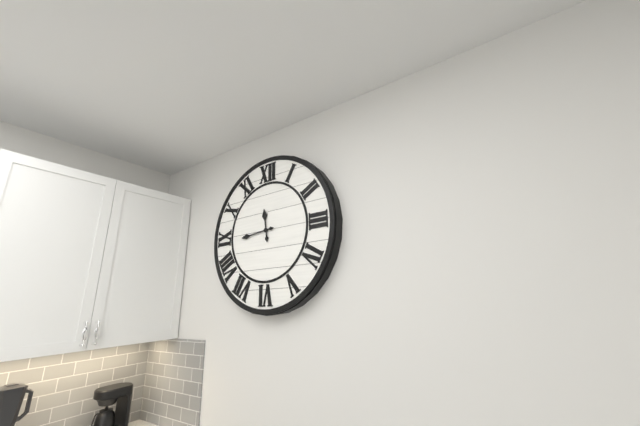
{"hour": 11, "minute": 44}
